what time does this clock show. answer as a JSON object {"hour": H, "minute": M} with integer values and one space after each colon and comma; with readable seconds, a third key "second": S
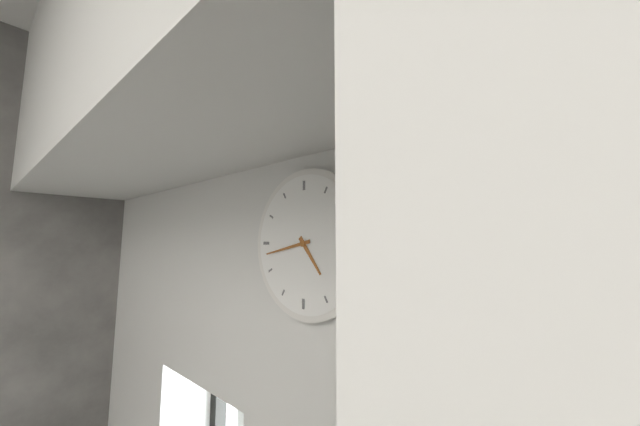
{"hour": 4, "minute": 43}
